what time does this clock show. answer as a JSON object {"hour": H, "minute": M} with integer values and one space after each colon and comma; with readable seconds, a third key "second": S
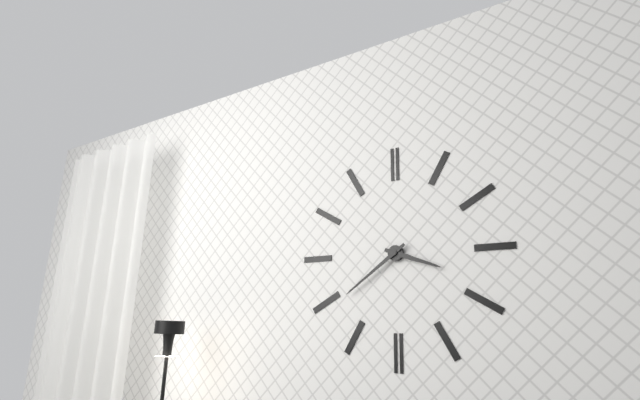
{"hour": 3, "minute": 39}
